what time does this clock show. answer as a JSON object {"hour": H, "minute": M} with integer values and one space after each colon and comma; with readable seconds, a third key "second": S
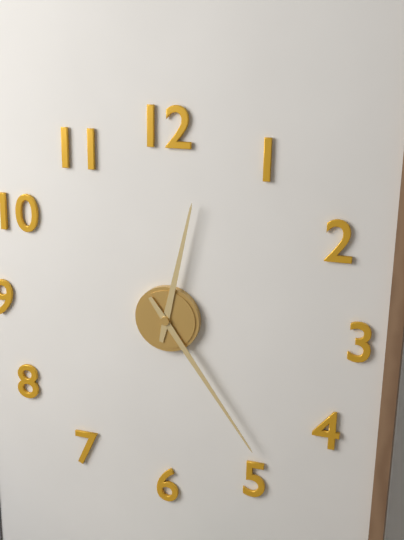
{"hour": 12, "minute": 24}
